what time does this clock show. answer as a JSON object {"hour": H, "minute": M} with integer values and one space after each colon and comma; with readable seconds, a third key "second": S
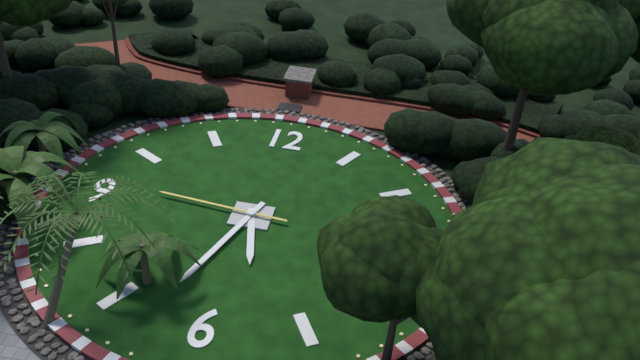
{"hour": 5, "minute": 33, "second": 46}
